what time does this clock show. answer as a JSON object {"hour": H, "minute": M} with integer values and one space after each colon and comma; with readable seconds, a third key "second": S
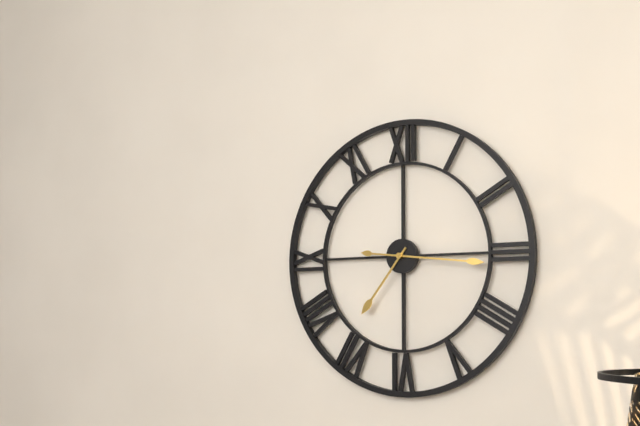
{"hour": 7, "minute": 16}
